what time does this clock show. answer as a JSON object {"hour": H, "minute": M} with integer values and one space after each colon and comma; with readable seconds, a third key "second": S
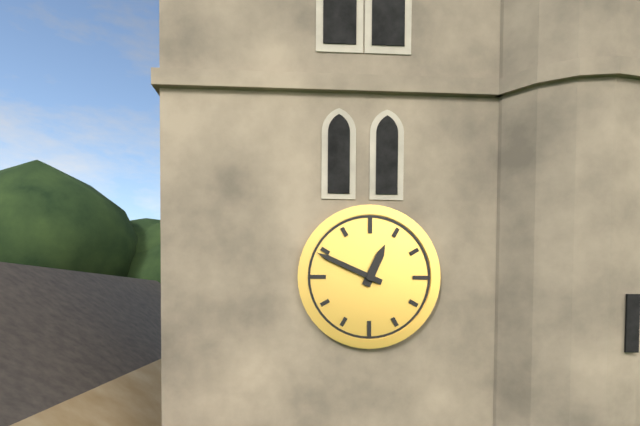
{"hour": 12, "minute": 49}
